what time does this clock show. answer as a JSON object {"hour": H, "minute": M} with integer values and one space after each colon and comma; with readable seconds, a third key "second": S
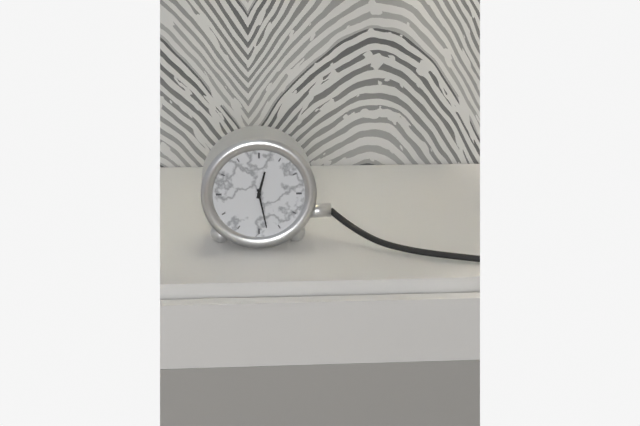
{"hour": 12, "minute": 28}
